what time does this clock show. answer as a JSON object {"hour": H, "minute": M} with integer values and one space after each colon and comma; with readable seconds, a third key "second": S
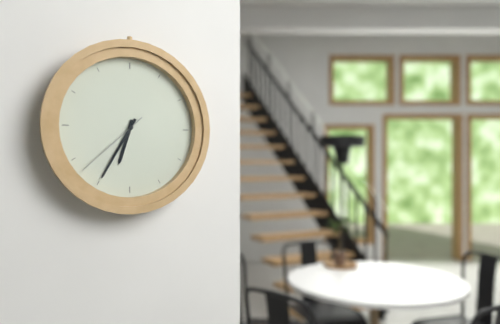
{"hour": 6, "minute": 35, "second": 38}
